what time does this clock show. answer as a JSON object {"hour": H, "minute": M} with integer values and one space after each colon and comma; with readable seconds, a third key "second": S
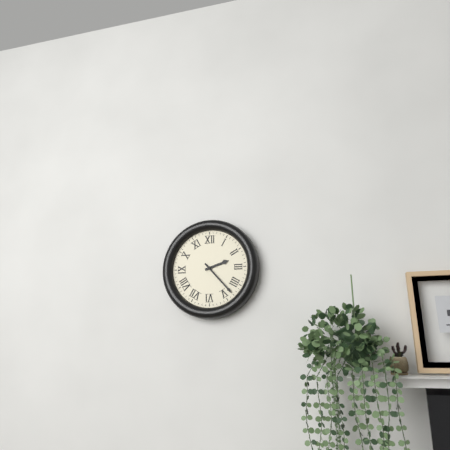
{"hour": 2, "minute": 23}
